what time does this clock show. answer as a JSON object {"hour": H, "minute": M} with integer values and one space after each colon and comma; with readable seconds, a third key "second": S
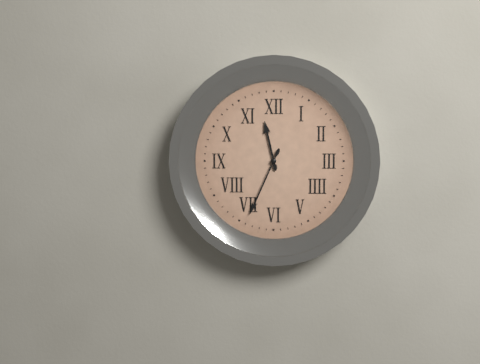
{"hour": 11, "minute": 34}
